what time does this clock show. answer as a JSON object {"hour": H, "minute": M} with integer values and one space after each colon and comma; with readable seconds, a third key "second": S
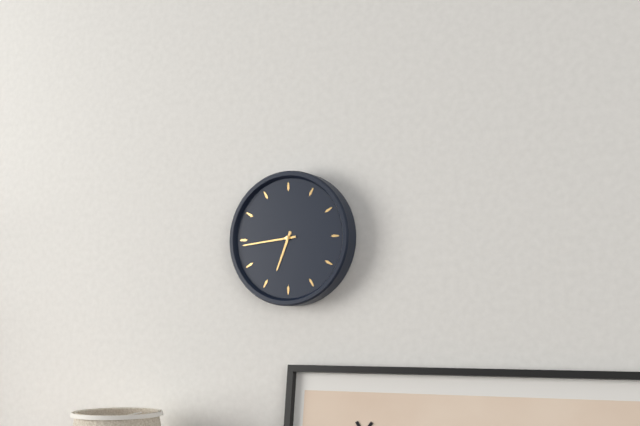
{"hour": 6, "minute": 44}
